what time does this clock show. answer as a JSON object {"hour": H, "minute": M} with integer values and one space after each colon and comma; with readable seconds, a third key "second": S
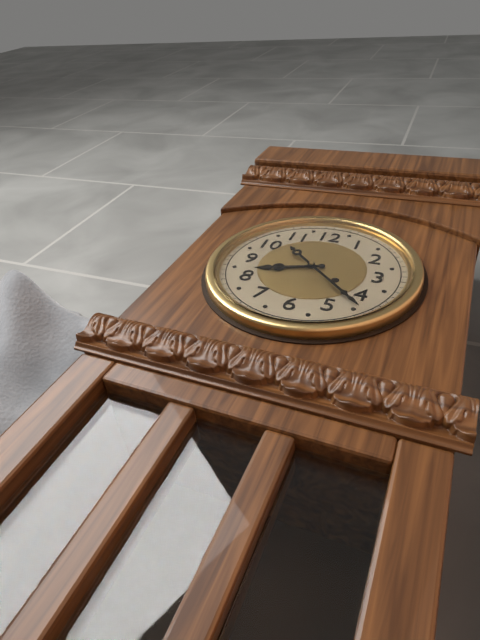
{"hour": 8, "minute": 22}
